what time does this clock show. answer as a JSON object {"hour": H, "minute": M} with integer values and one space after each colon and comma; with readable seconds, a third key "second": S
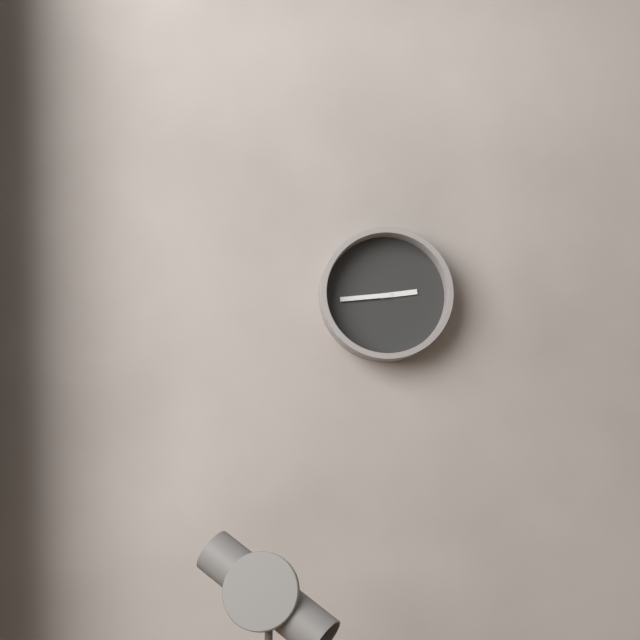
{"hour": 2, "minute": 44}
